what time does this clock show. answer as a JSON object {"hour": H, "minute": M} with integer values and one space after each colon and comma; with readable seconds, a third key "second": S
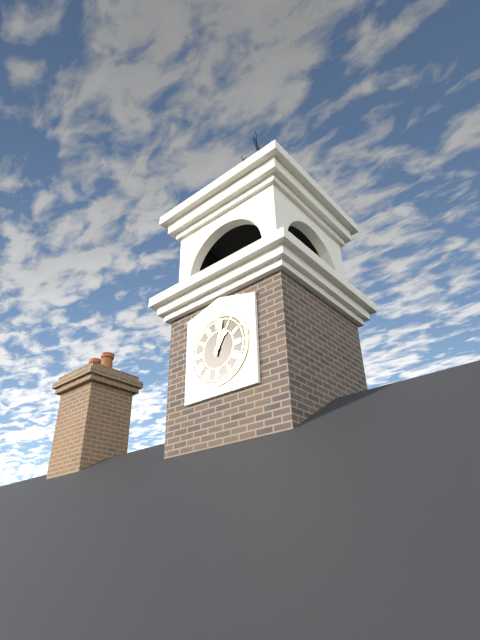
{"hour": 1, "minute": 2}
